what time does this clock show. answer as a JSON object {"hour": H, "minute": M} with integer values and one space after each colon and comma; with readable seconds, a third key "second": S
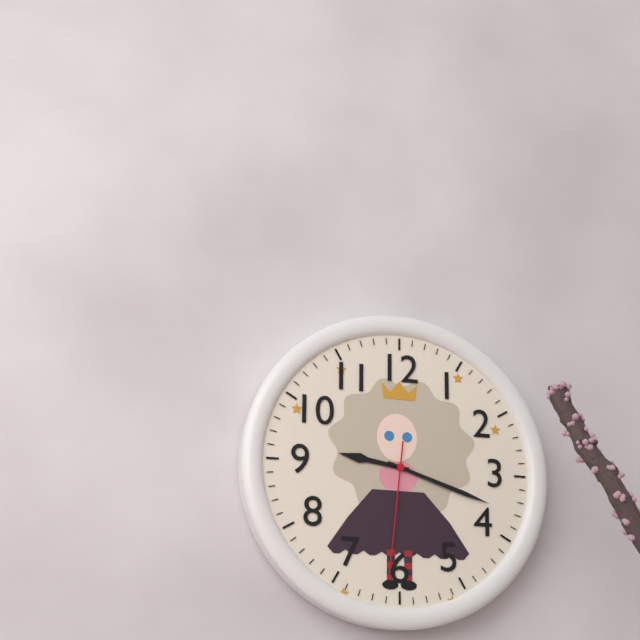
{"hour": 9, "minute": 18, "second": 31}
